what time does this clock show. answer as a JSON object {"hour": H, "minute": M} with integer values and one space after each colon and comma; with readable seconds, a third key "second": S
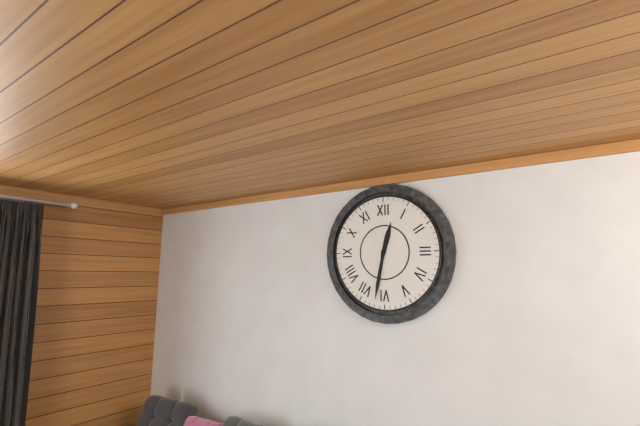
{"hour": 12, "minute": 32}
